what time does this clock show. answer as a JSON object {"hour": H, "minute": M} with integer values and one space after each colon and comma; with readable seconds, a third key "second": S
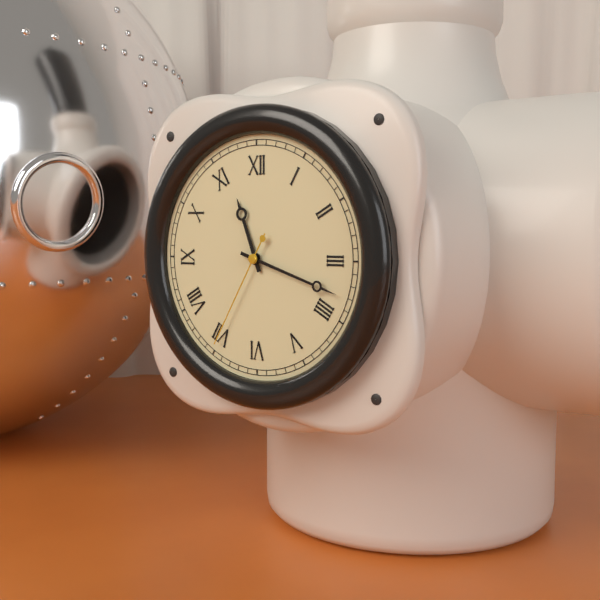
{"hour": 11, "minute": 18, "second": 35}
